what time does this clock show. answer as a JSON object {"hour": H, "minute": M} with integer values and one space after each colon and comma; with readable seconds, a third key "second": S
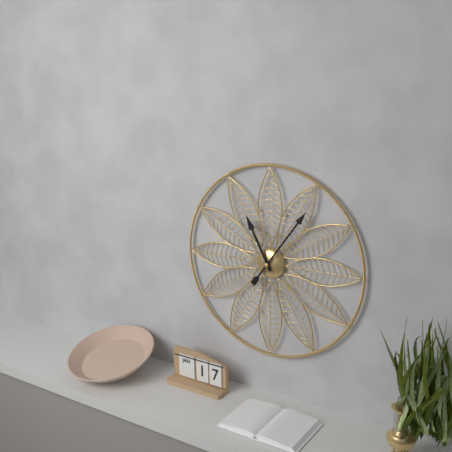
{"hour": 11, "minute": 6}
